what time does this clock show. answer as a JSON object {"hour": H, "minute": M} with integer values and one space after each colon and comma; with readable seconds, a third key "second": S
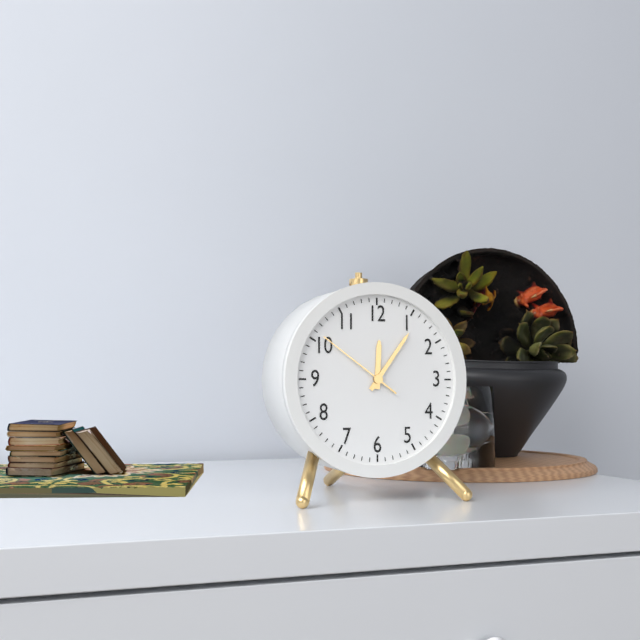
{"hour": 12, "minute": 6, "second": 51}
